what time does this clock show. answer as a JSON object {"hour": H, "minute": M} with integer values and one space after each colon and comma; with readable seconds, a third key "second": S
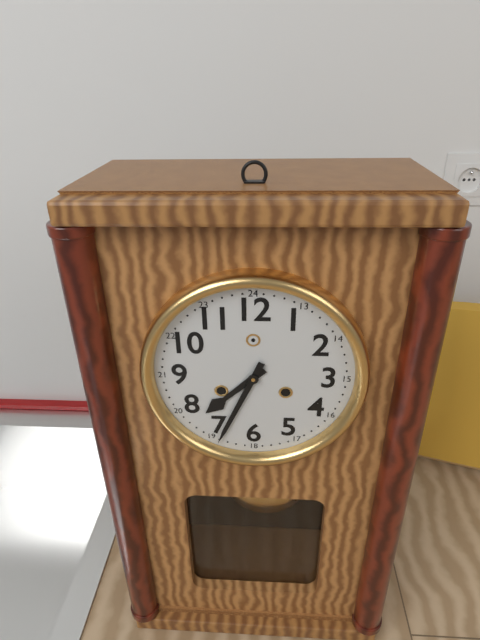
{"hour": 7, "minute": 34}
